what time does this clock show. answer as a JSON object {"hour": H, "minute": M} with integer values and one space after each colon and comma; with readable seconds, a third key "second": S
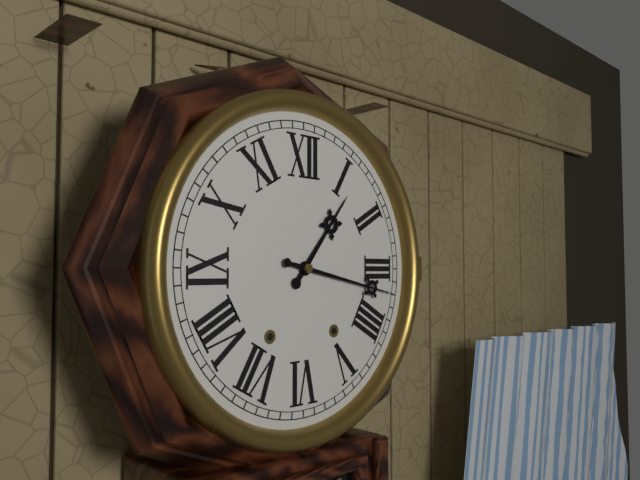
{"hour": 1, "minute": 17}
